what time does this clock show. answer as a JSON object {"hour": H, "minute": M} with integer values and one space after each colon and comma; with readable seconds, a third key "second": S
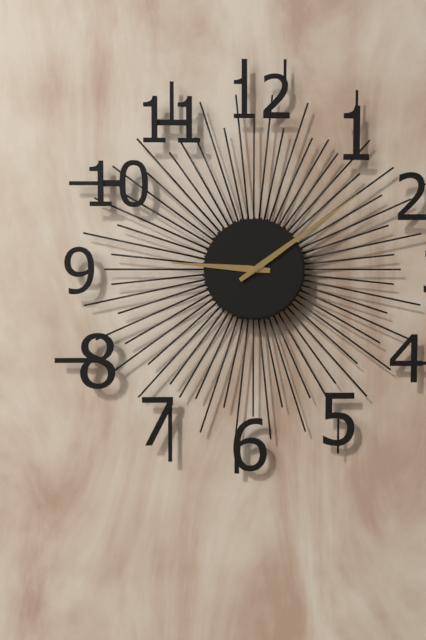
{"hour": 9, "minute": 9}
